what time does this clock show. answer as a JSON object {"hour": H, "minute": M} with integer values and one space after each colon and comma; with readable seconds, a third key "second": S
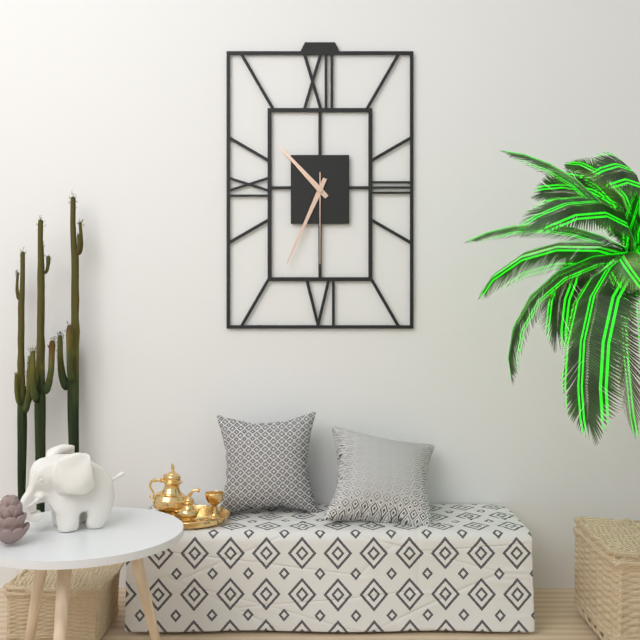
{"hour": 10, "minute": 34, "second": 30}
